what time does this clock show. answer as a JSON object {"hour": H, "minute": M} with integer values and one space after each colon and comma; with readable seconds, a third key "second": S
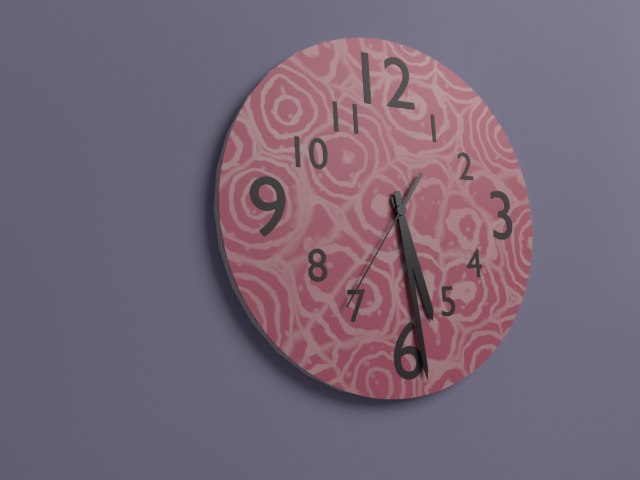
{"hour": 5, "minute": 29, "second": 36}
